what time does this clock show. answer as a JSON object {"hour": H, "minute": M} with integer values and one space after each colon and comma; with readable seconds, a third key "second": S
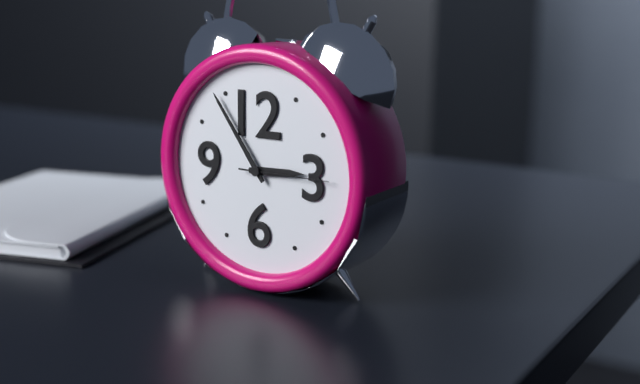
{"hour": 2, "minute": 54, "second": 15}
